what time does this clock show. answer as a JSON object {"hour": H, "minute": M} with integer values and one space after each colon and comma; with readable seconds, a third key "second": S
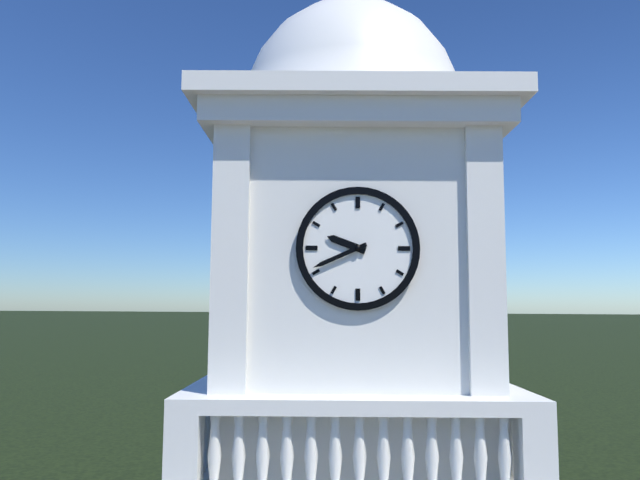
{"hour": 9, "minute": 41}
